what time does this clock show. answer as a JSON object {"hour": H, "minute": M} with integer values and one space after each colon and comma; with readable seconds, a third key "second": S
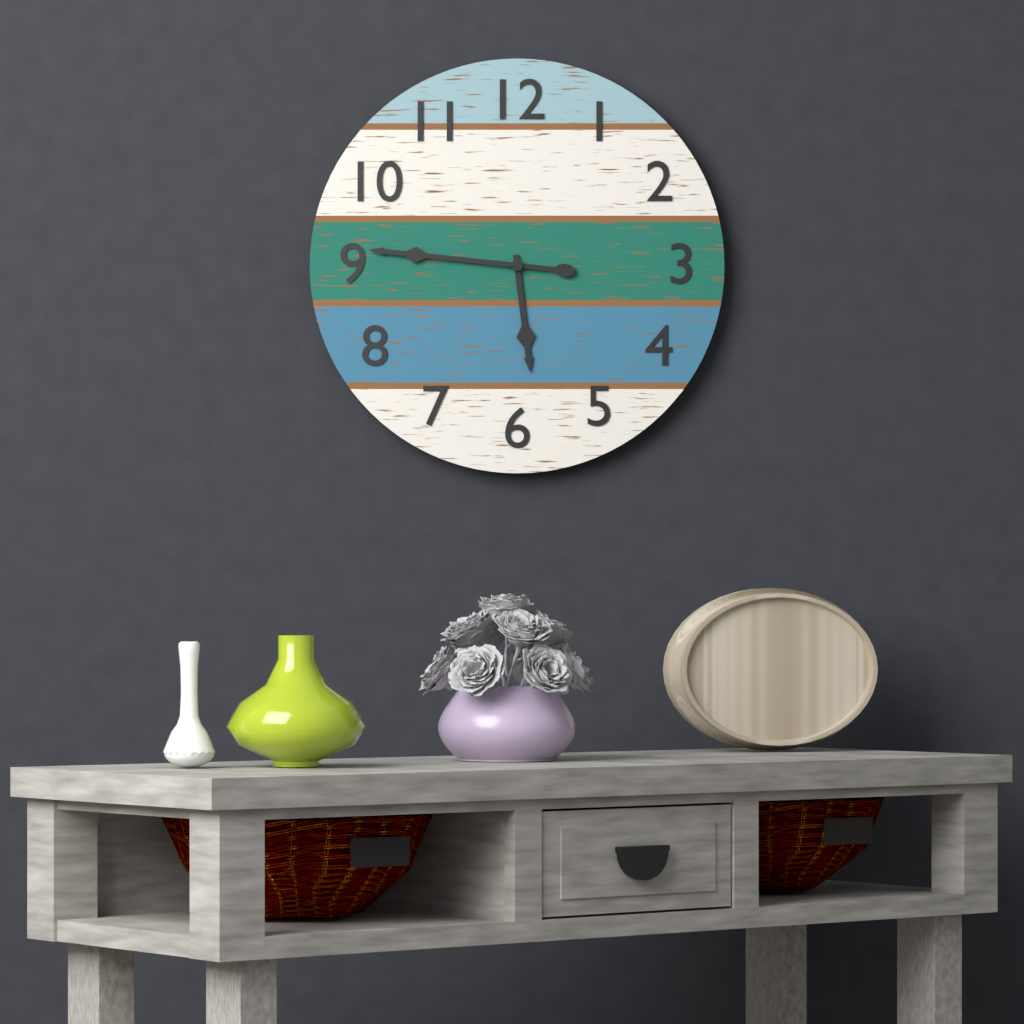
{"hour": 5, "minute": 46}
